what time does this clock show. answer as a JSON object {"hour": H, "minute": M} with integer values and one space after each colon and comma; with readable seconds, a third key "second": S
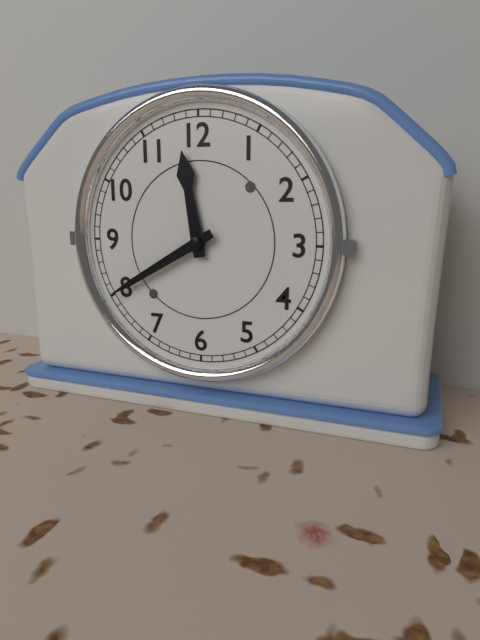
{"hour": 11, "minute": 40}
